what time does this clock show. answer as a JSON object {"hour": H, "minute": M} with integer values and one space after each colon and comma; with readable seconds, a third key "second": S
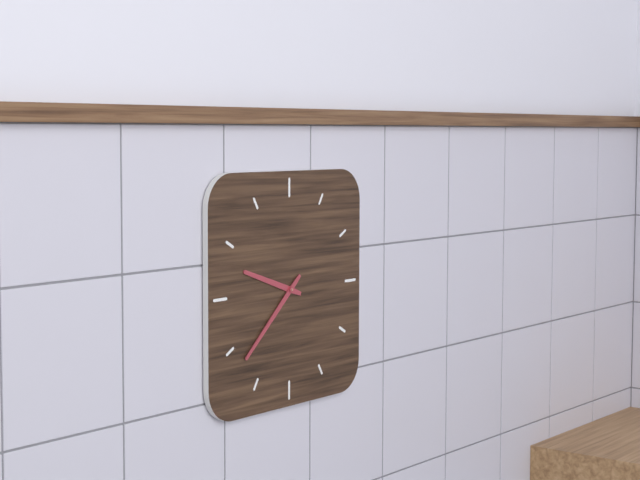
{"hour": 9, "minute": 38}
